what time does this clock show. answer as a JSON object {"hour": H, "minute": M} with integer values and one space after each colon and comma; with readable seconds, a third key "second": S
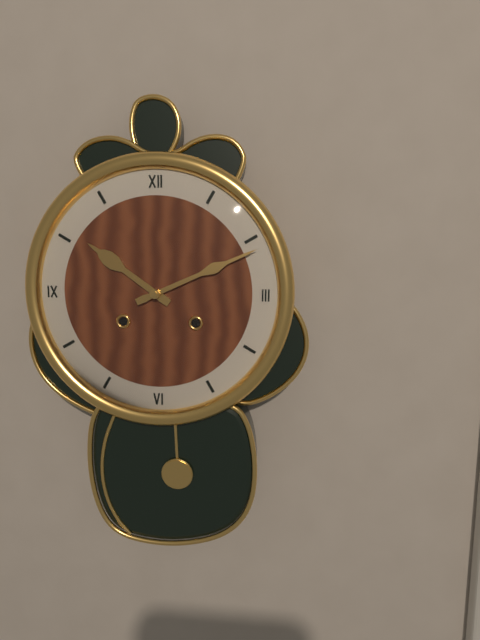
{"hour": 10, "minute": 11}
